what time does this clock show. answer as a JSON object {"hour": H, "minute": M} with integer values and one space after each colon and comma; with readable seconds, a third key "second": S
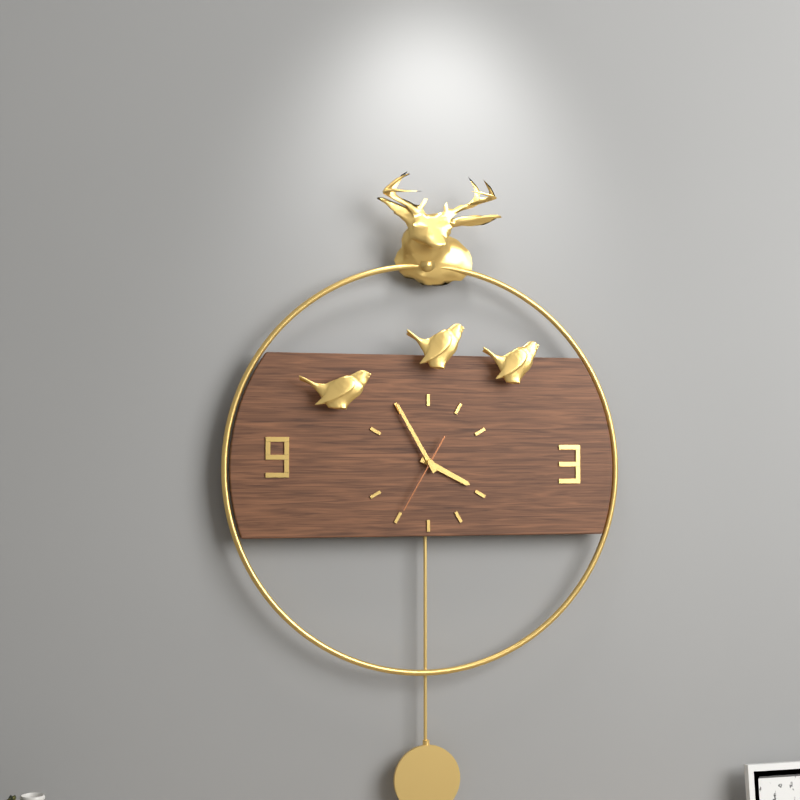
{"hour": 3, "minute": 55, "second": 35}
